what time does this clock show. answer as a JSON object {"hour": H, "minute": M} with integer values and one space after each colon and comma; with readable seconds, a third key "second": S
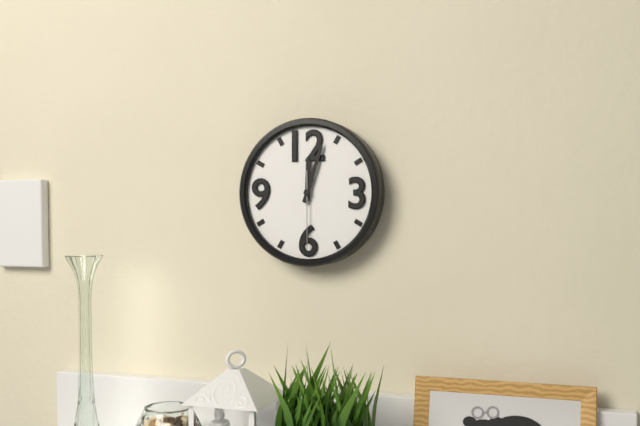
{"hour": 12, "minute": 3, "second": 30}
